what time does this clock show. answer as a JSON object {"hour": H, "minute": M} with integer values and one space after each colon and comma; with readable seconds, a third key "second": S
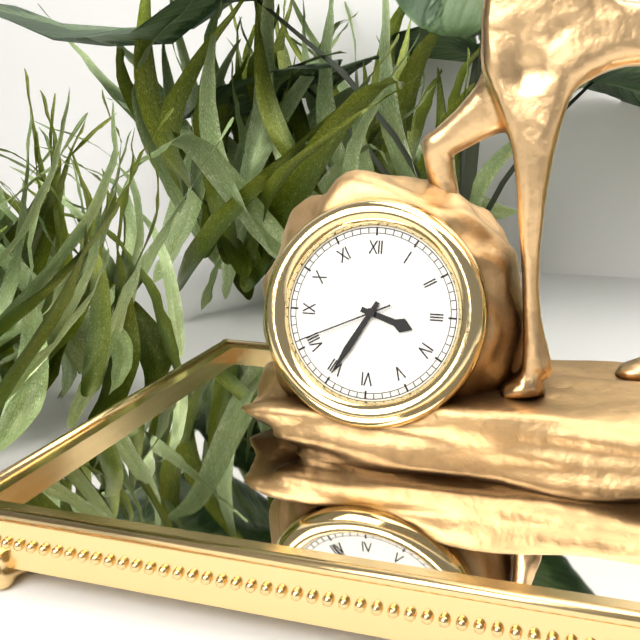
{"hour": 3, "minute": 35, "second": 41}
